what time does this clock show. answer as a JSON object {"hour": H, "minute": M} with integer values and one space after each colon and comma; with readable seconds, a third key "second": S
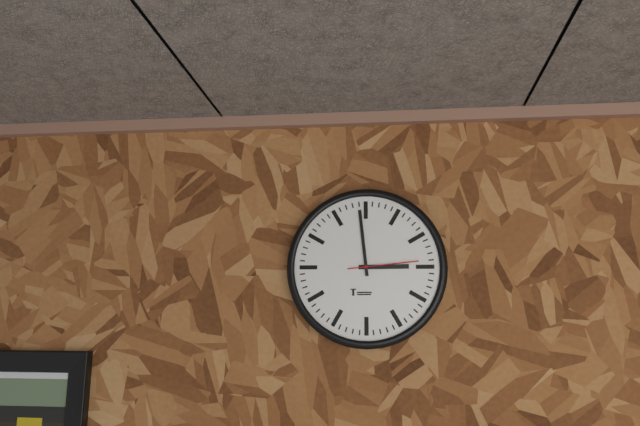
{"hour": 2, "minute": 59, "second": 14}
